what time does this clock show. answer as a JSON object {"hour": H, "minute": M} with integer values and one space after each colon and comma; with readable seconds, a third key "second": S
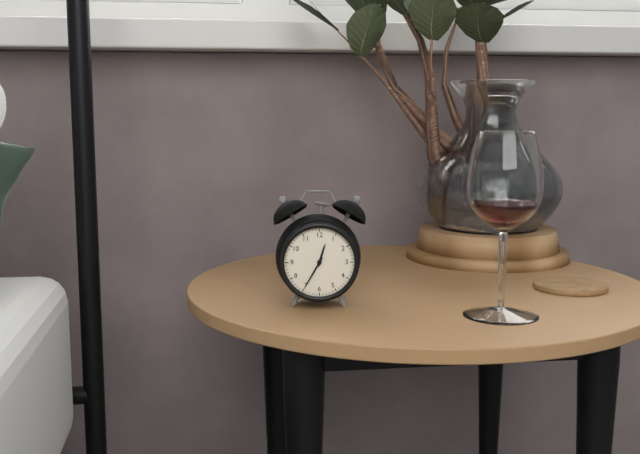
{"hour": 12, "minute": 35}
